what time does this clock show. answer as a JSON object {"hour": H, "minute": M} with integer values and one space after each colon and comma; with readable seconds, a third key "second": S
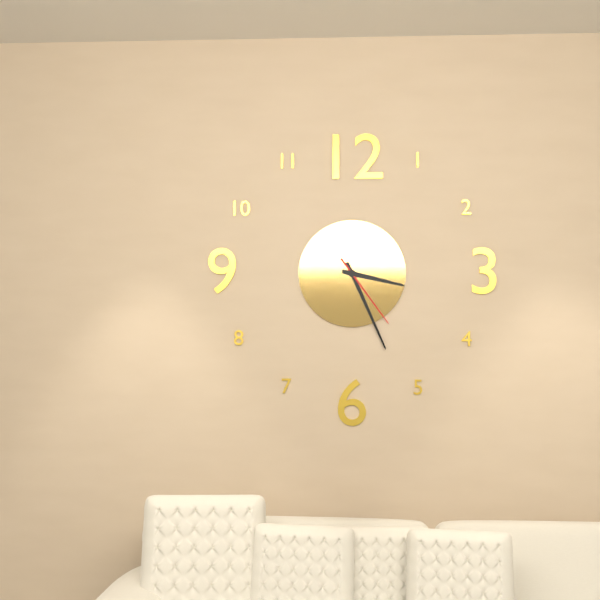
{"hour": 3, "minute": 26, "second": 24}
